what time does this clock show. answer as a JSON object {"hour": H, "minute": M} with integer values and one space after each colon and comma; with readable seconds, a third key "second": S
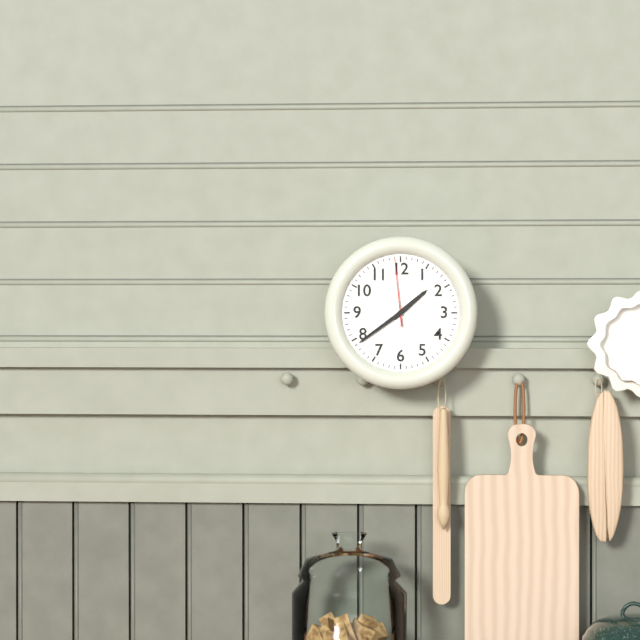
{"hour": 1, "minute": 39, "second": 59}
